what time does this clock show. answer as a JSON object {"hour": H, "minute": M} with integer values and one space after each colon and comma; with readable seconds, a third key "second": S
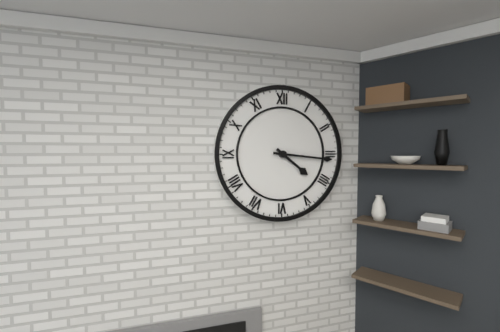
{"hour": 4, "minute": 16}
